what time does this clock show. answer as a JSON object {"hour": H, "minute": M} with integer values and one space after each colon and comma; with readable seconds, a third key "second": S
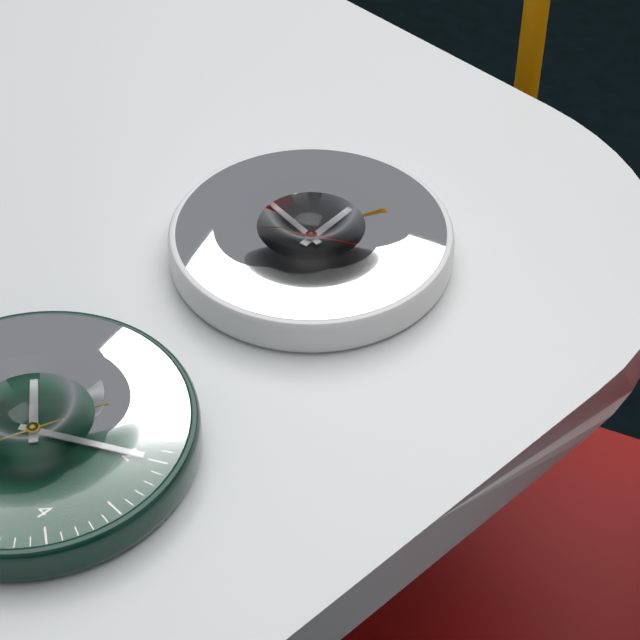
{"hour": 11, "minute": 46, "second": 10}
